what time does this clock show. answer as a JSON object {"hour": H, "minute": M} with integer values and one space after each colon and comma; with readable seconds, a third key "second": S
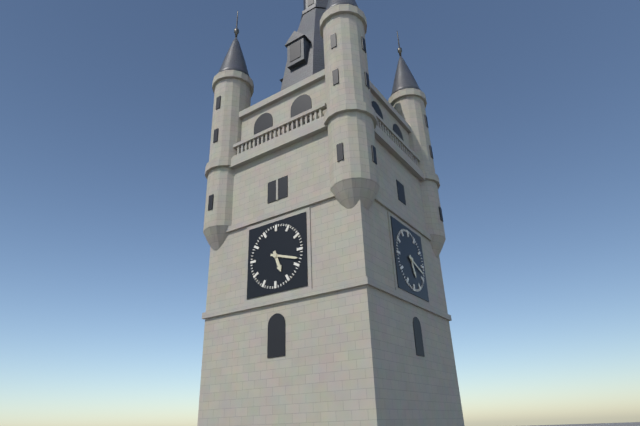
{"hour": 5, "minute": 18}
